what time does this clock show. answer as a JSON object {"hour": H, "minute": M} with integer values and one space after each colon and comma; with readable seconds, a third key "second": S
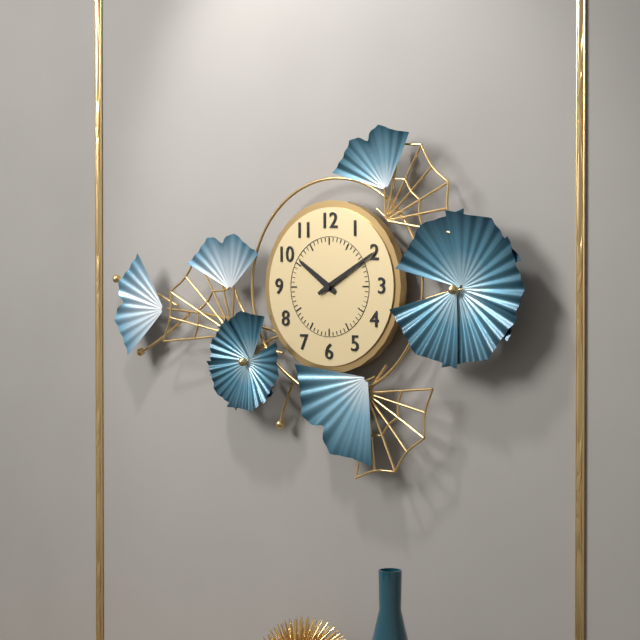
{"hour": 10, "minute": 10}
